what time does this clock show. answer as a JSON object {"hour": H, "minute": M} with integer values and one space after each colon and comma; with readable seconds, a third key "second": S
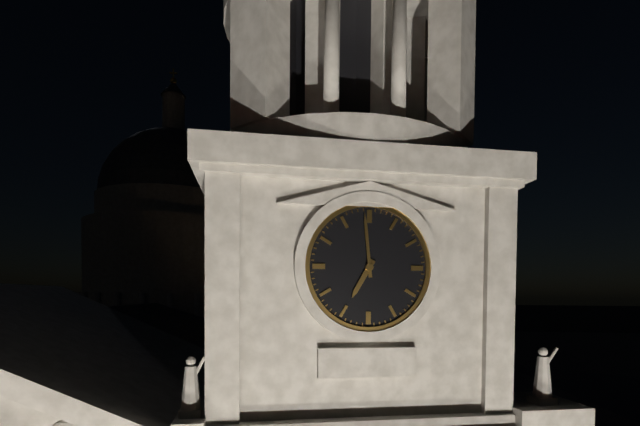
{"hour": 6, "minute": 59}
